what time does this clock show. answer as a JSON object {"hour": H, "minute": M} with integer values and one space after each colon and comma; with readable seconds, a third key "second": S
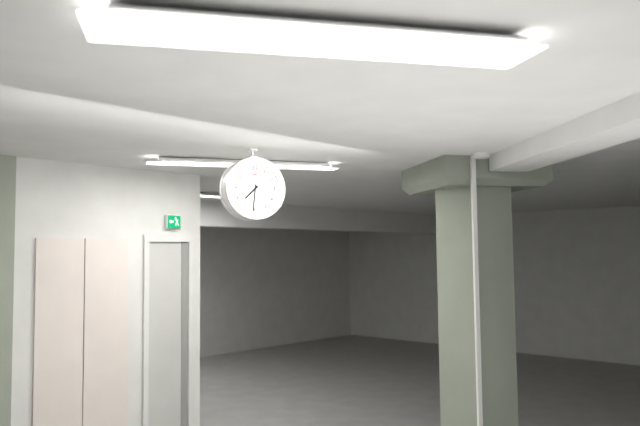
{"hour": 7, "minute": 31}
